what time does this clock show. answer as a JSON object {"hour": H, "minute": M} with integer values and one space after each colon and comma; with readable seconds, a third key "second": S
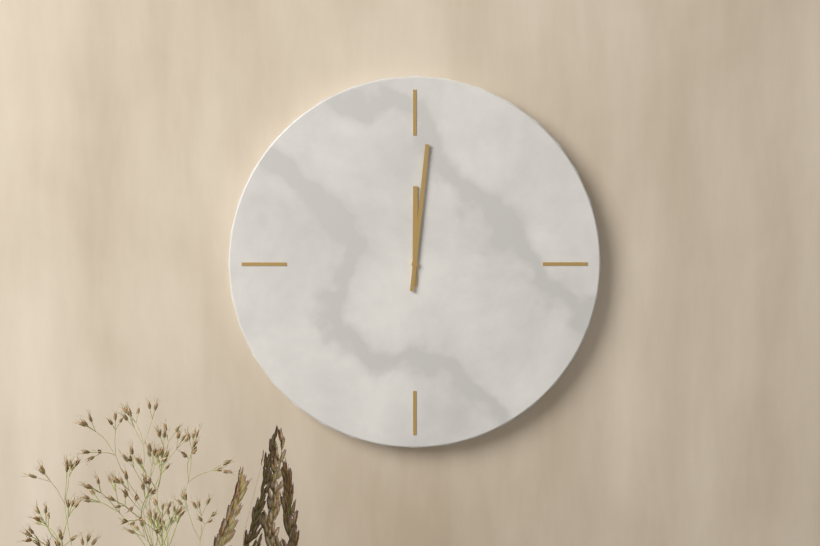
{"hour": 12, "minute": 1}
